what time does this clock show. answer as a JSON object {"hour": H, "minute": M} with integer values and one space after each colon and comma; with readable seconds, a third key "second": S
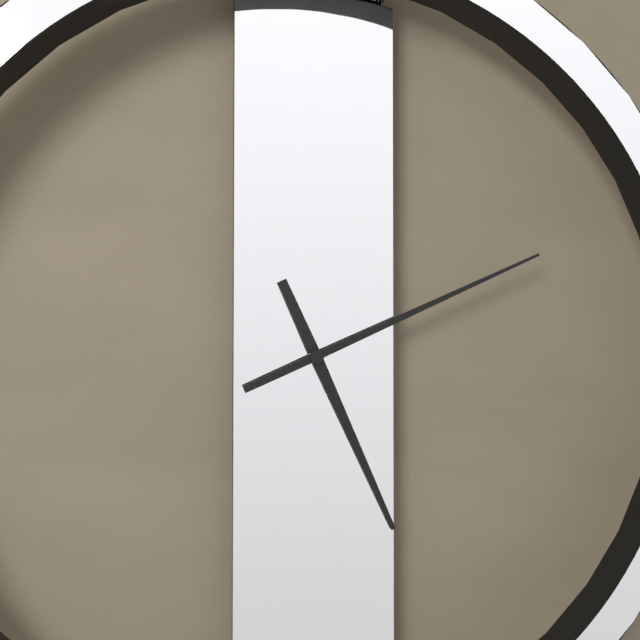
{"hour": 5, "minute": 11}
